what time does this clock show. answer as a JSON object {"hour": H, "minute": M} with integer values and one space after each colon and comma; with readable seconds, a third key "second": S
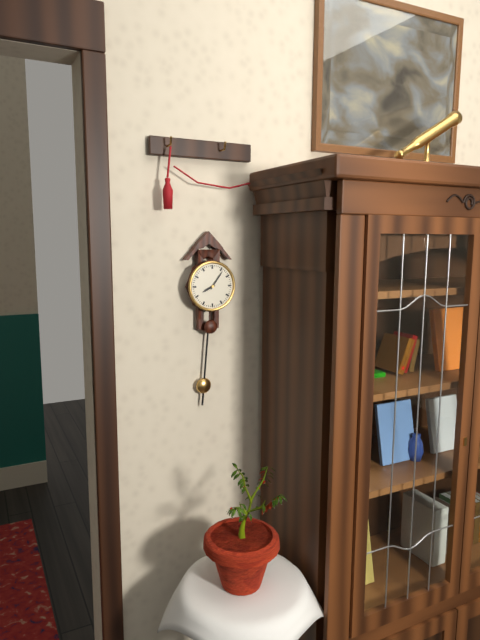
{"hour": 8, "minute": 6}
